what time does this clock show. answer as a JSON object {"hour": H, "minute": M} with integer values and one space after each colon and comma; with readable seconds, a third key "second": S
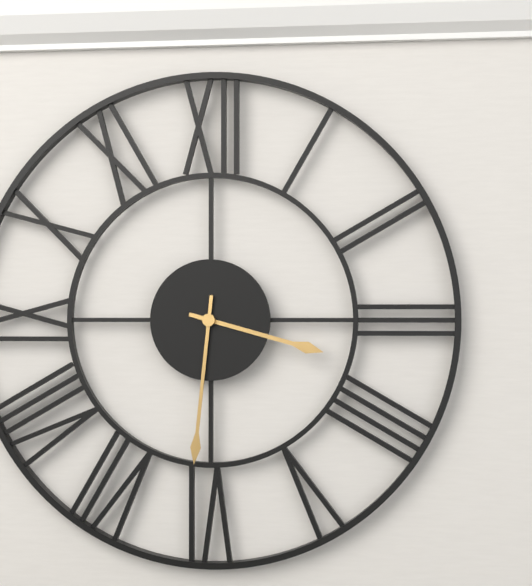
{"hour": 3, "minute": 31}
